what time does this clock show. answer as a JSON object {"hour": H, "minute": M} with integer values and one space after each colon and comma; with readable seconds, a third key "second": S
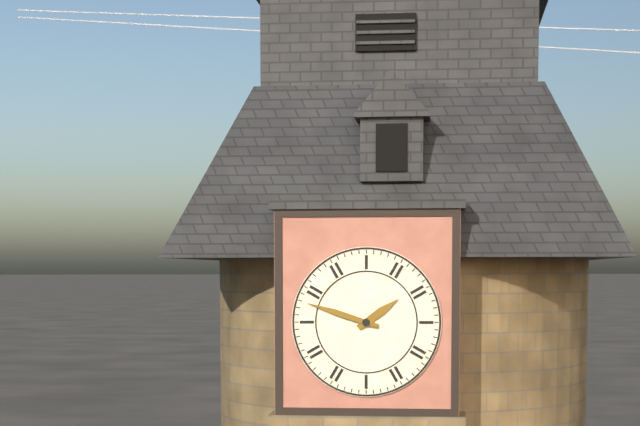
{"hour": 1, "minute": 48}
